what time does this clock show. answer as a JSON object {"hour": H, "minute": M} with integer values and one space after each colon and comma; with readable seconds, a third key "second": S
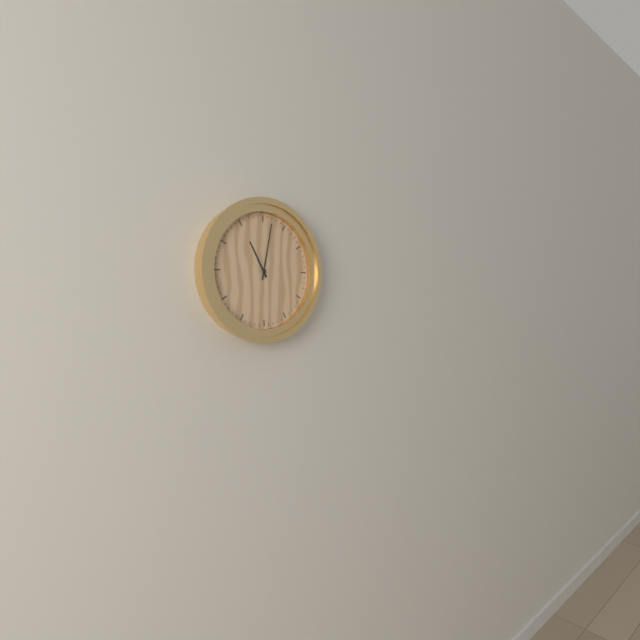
{"hour": 11, "minute": 2}
